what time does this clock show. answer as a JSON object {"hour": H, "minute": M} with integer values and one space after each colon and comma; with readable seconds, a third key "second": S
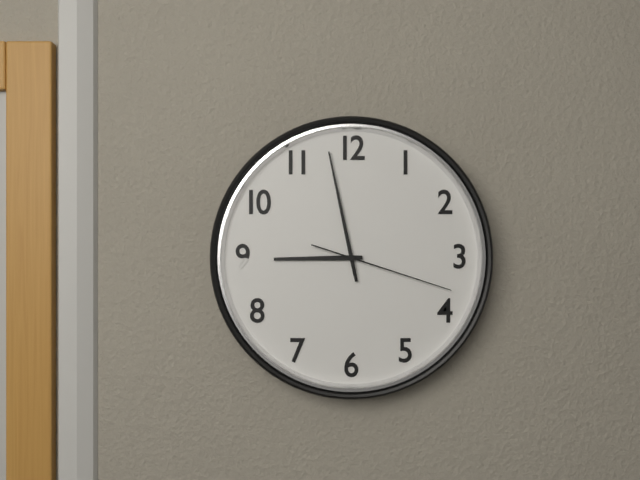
{"hour": 8, "minute": 58, "second": 18}
